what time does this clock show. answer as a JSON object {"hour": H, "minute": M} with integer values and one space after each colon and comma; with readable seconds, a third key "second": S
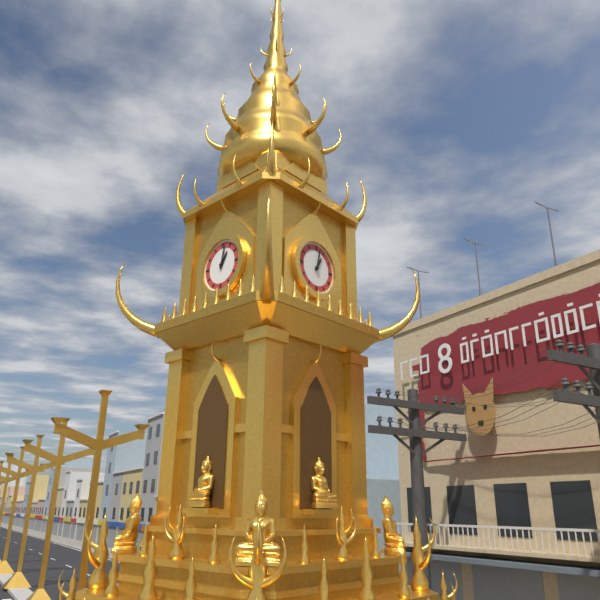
{"hour": 1, "minute": 2}
